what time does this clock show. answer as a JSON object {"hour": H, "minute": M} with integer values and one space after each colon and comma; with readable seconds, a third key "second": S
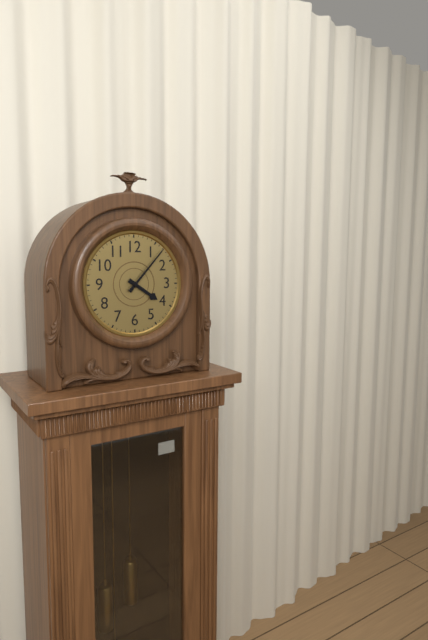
{"hour": 4, "minute": 7}
